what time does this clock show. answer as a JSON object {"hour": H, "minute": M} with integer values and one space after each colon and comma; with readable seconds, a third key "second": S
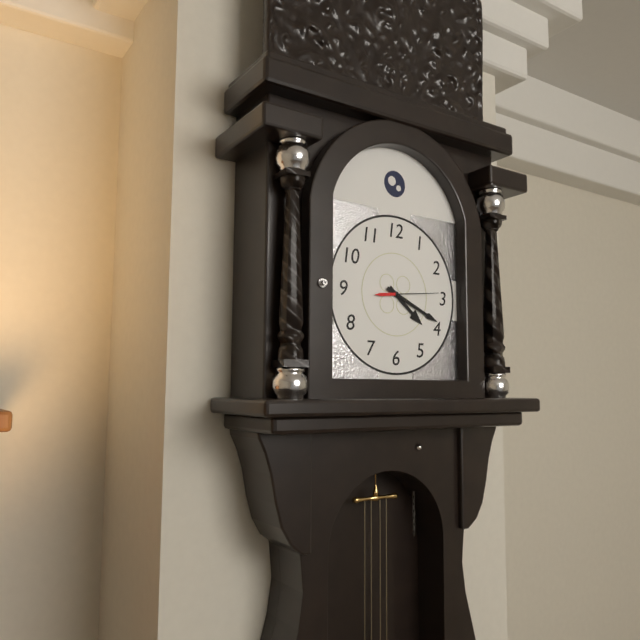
{"hour": 4, "minute": 19, "second": 14}
